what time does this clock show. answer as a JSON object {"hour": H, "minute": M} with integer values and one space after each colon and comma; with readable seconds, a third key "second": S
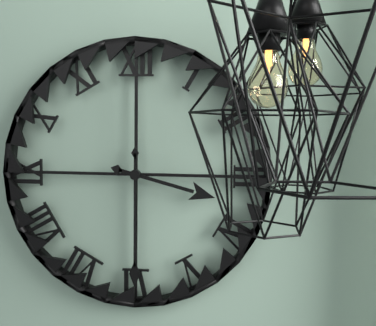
{"hour": 3, "minute": 30}
